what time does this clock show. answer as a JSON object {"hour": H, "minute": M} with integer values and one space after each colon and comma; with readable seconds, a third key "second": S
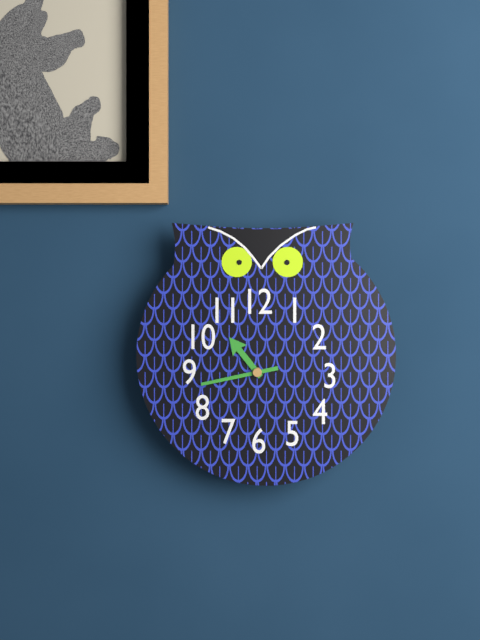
{"hour": 10, "minute": 43}
